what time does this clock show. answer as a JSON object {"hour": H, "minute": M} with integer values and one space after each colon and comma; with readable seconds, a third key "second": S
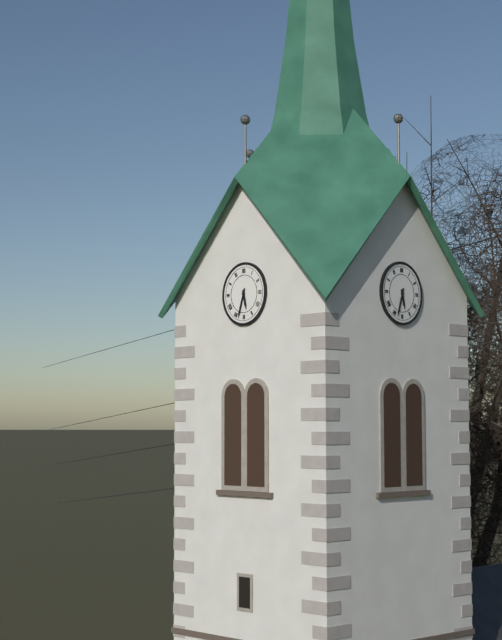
{"hour": 5, "minute": 33}
